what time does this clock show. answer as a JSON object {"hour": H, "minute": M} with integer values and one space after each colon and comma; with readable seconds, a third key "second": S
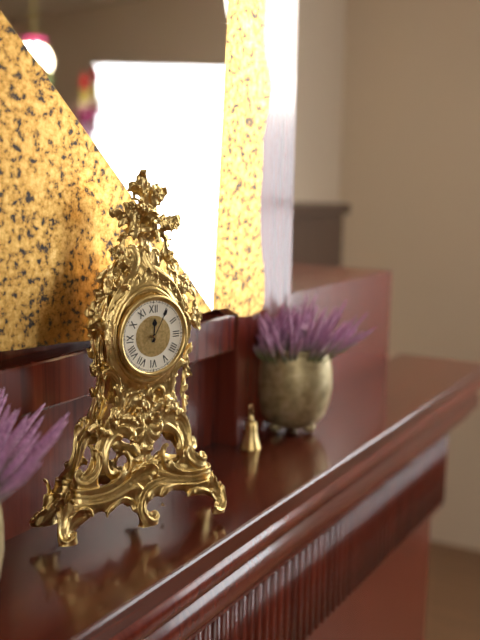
{"hour": 12, "minute": 5}
